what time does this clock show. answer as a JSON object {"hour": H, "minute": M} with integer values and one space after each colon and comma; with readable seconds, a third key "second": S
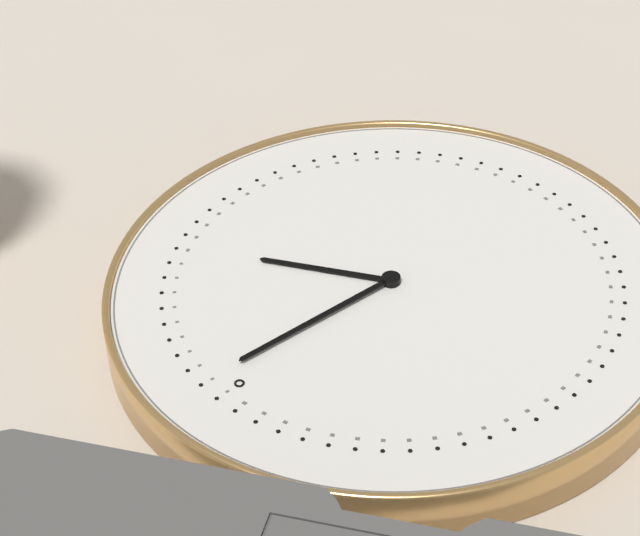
{"hour": 2, "minute": 1}
